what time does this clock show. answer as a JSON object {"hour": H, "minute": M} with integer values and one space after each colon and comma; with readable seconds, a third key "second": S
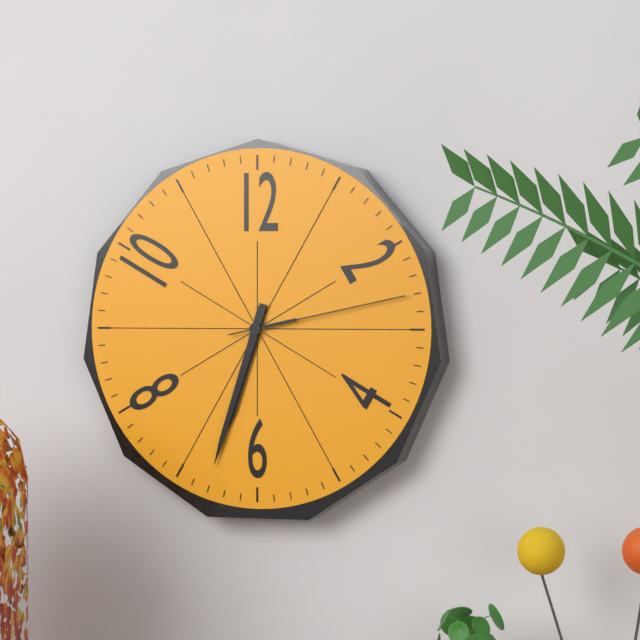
{"hour": 6, "minute": 33, "second": 13}
